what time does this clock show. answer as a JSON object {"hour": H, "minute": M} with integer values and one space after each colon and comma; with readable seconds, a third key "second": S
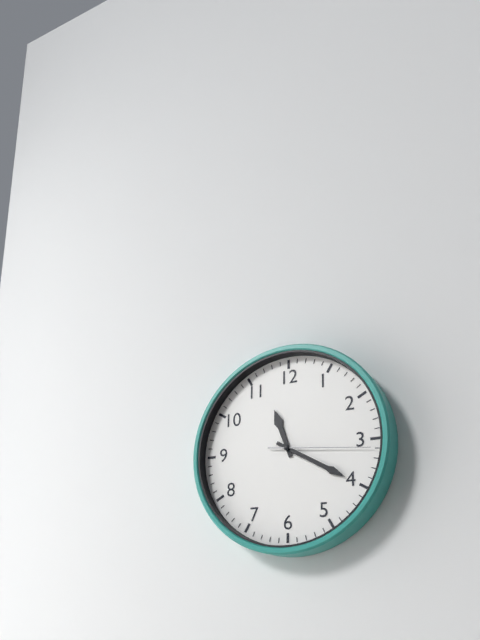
{"hour": 11, "minute": 20, "second": 16}
